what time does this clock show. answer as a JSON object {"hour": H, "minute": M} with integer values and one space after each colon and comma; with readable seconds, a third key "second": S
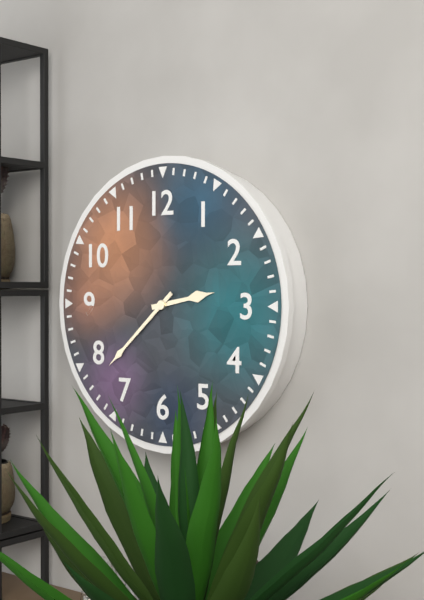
{"hour": 2, "minute": 38}
